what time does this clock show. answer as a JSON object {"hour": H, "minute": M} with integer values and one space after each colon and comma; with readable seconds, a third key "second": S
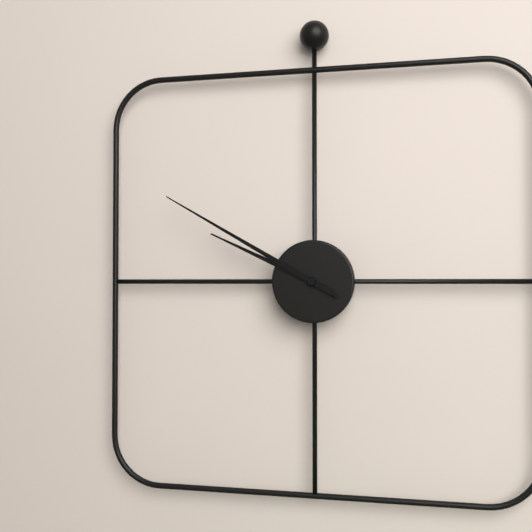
{"hour": 9, "minute": 50}
